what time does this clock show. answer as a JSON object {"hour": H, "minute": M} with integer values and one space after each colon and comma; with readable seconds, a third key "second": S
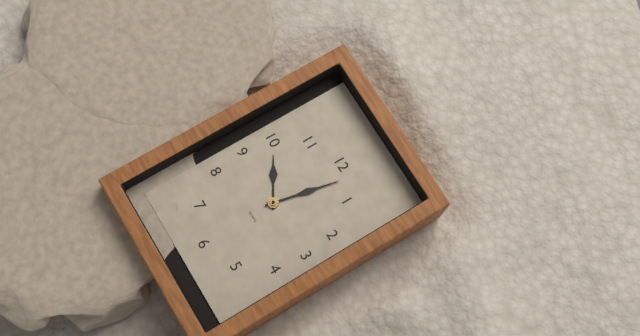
{"hour": 10, "minute": 2}
